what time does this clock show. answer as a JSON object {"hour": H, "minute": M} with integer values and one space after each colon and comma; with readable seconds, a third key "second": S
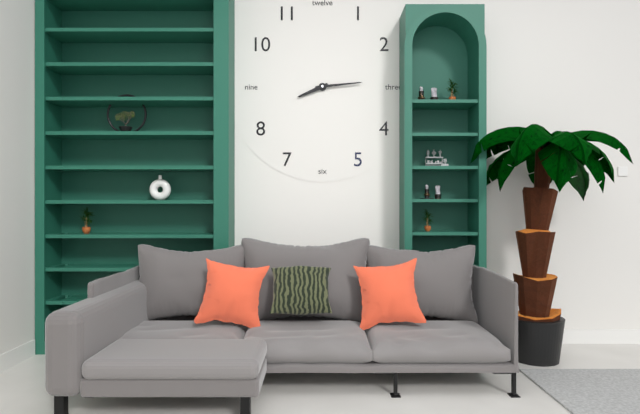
{"hour": 8, "minute": 14}
